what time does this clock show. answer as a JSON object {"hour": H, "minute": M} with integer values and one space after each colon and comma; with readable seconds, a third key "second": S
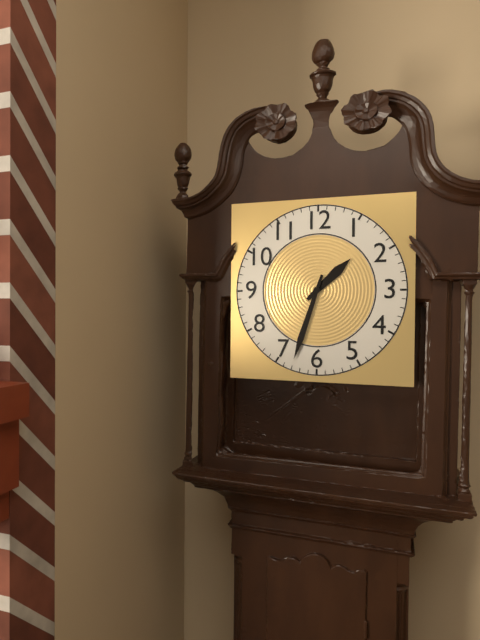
{"hour": 1, "minute": 33}
